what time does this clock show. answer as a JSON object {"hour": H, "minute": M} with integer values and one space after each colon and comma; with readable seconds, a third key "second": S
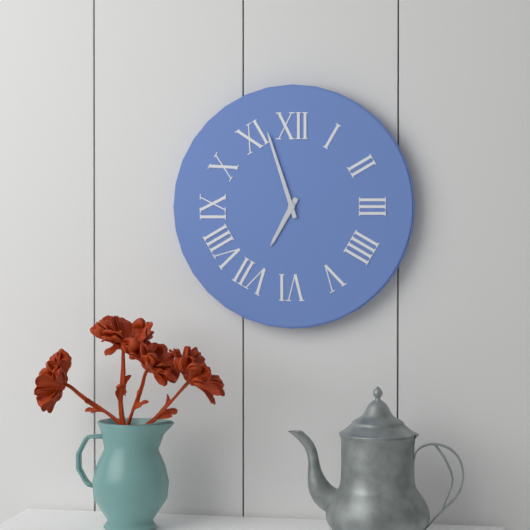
{"hour": 6, "minute": 57}
